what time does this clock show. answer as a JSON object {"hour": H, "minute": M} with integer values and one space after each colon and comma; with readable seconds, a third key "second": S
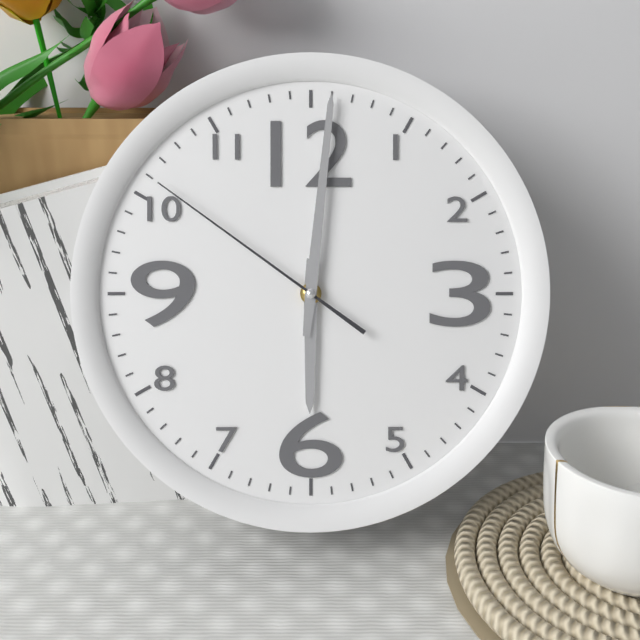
{"hour": 6, "minute": 1, "second": 51}
